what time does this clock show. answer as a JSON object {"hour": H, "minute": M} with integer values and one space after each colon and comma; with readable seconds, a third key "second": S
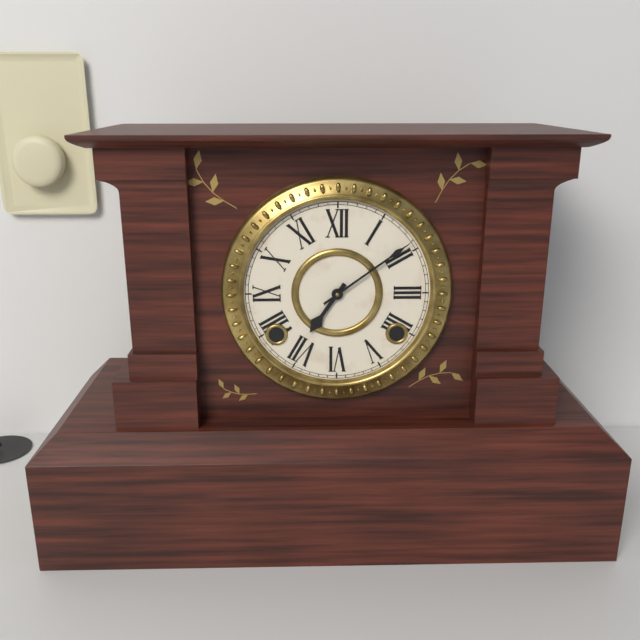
{"hour": 7, "minute": 9}
